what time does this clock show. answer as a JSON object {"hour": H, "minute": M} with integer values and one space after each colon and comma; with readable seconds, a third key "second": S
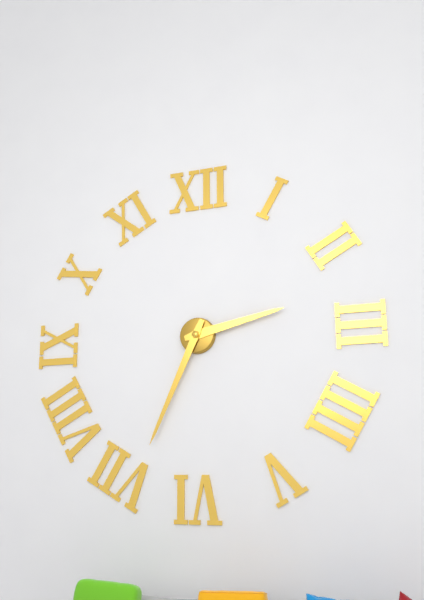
{"hour": 2, "minute": 34}
